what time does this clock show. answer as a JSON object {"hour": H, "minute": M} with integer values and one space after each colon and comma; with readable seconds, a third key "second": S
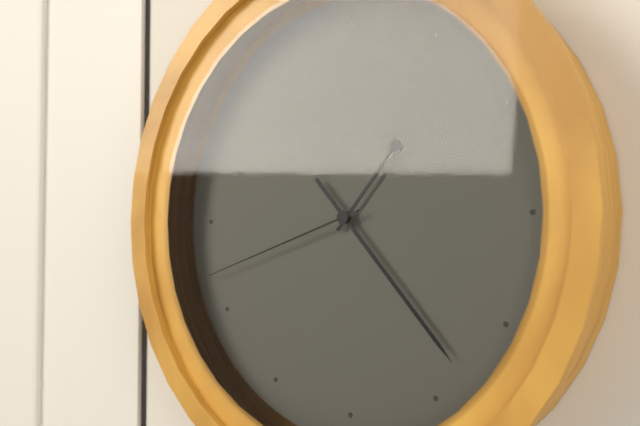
{"hour": 1, "minute": 23, "second": 42}
